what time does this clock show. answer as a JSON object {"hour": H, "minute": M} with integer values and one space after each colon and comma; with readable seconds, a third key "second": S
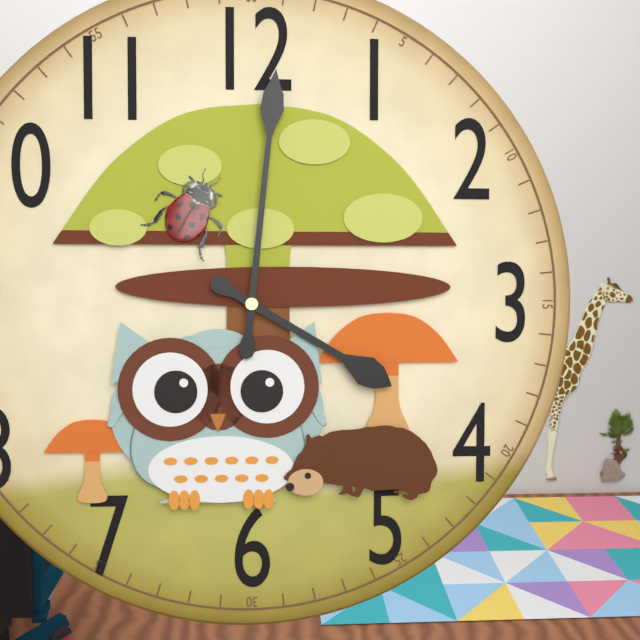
{"hour": 4, "minute": 1}
